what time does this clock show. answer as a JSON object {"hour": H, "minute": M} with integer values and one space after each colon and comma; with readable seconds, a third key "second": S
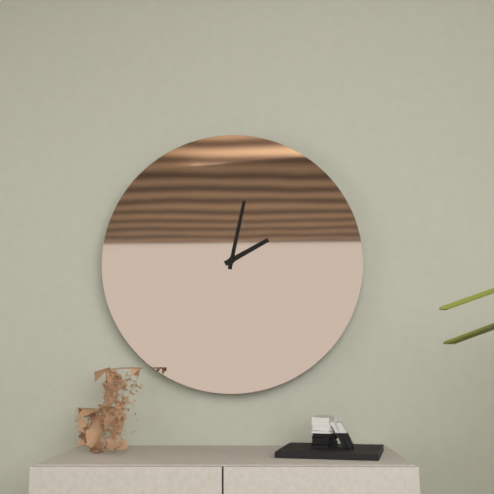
{"hour": 2, "minute": 2}
